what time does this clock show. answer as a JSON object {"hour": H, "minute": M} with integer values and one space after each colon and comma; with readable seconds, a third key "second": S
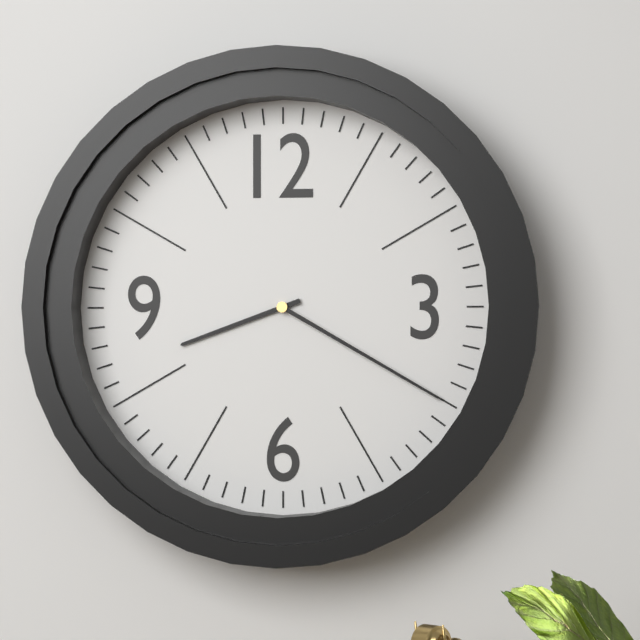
{"hour": 8, "minute": 20}
